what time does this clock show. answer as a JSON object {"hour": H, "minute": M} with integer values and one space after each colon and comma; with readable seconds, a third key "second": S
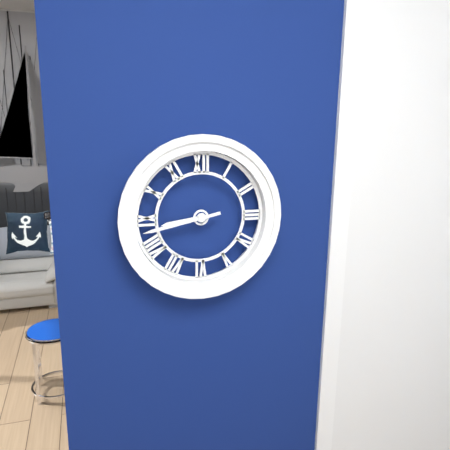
{"hour": 8, "minute": 43}
